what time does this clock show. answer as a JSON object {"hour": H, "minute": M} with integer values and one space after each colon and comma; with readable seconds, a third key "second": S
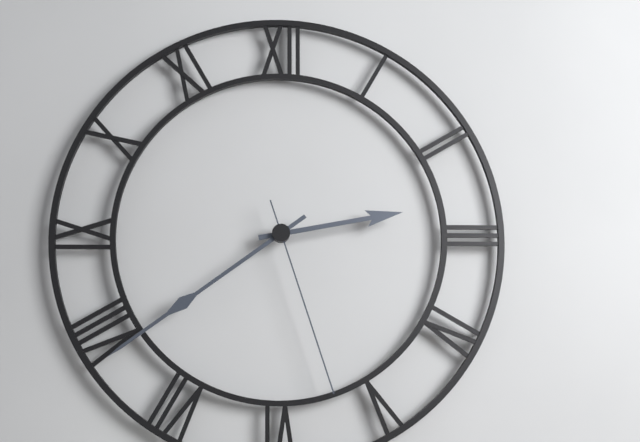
{"hour": 2, "minute": 39, "second": 27}
